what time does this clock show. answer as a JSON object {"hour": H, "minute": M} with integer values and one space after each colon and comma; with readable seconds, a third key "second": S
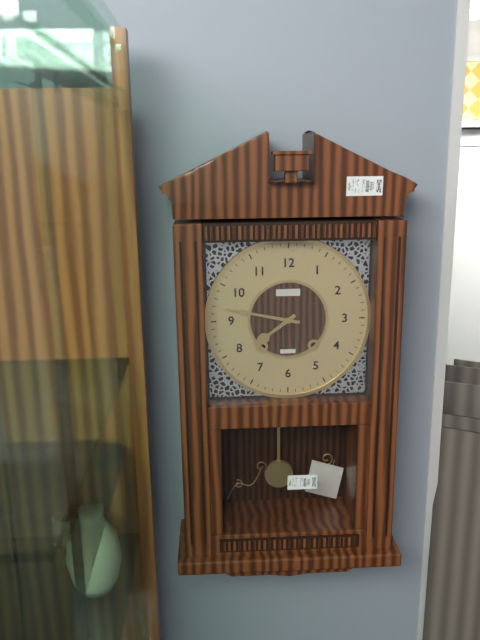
{"hour": 7, "minute": 47}
